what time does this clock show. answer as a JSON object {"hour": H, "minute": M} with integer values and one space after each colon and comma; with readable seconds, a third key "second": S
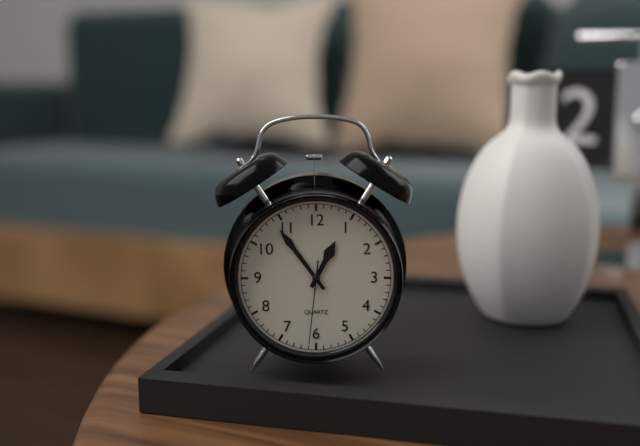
{"hour": 12, "minute": 54, "second": 31}
